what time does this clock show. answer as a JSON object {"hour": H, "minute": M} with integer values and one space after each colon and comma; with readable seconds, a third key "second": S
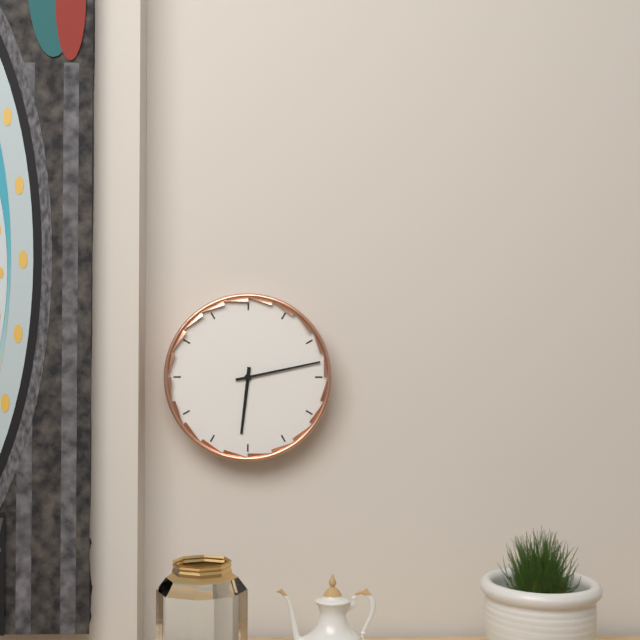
{"hour": 6, "minute": 13}
